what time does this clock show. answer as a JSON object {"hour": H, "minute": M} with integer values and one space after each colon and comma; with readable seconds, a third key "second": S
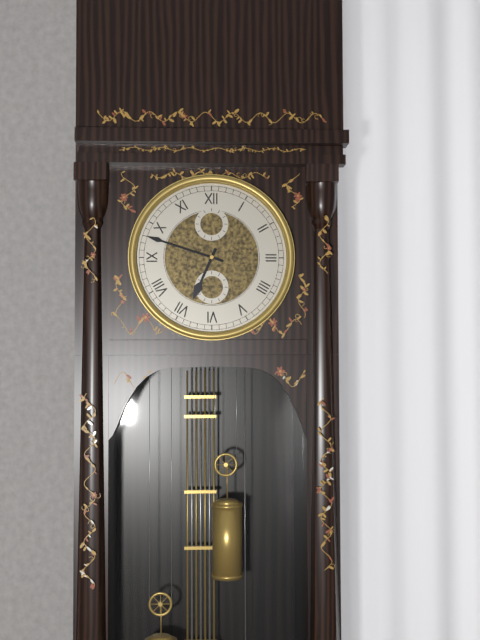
{"hour": 6, "minute": 48}
